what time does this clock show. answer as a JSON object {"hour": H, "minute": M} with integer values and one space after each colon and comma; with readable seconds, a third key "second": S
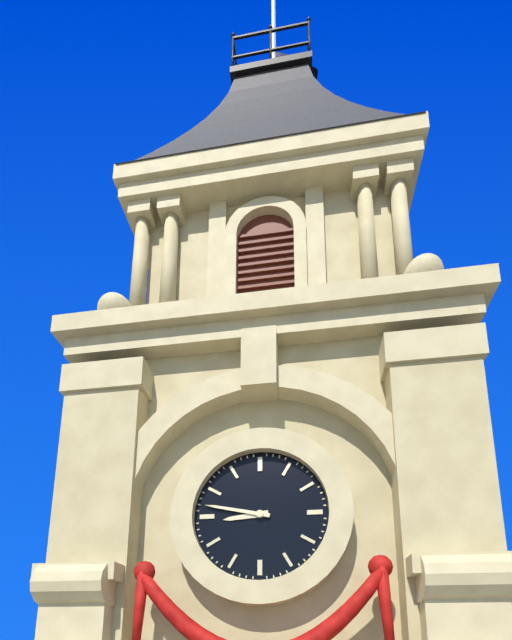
{"hour": 8, "minute": 47}
